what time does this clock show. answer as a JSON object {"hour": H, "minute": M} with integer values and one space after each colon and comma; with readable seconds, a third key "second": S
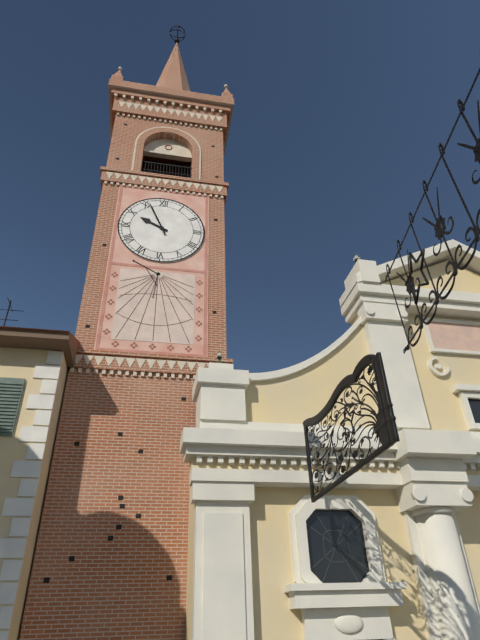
{"hour": 9, "minute": 56}
